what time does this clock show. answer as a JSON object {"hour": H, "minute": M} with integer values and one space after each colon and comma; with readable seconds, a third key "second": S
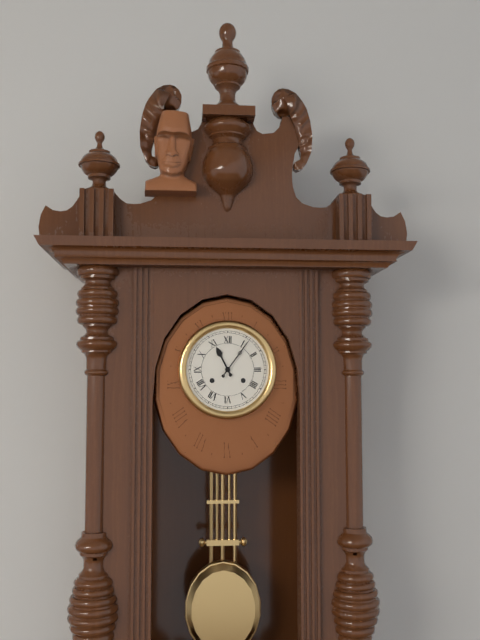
{"hour": 11, "minute": 6}
